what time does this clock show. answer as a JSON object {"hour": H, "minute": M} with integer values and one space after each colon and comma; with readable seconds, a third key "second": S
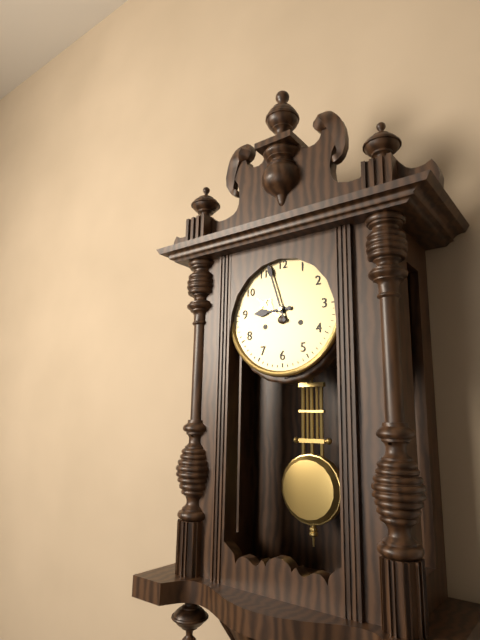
{"hour": 8, "minute": 57}
